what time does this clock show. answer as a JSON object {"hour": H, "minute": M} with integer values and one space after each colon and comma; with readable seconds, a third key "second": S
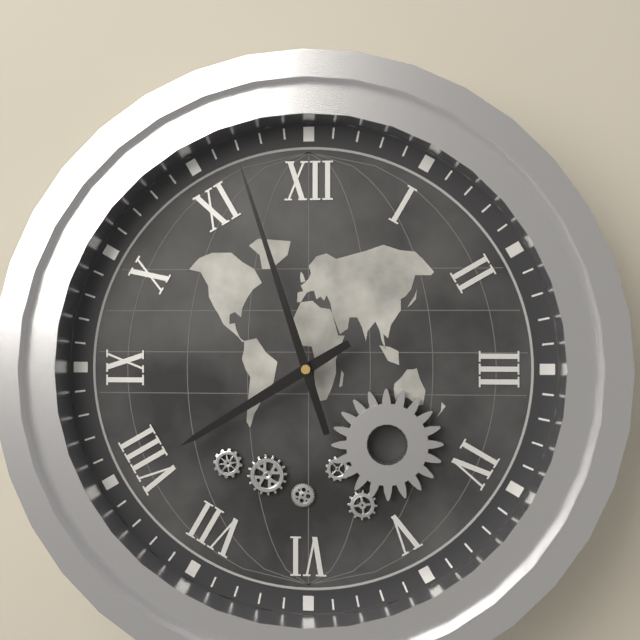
{"hour": 7, "minute": 57}
